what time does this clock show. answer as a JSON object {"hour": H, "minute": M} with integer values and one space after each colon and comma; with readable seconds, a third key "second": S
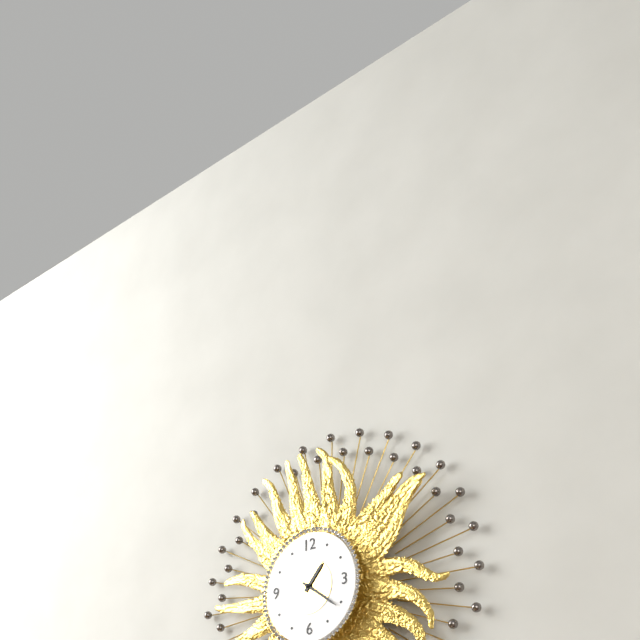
{"hour": 1, "minute": 21}
